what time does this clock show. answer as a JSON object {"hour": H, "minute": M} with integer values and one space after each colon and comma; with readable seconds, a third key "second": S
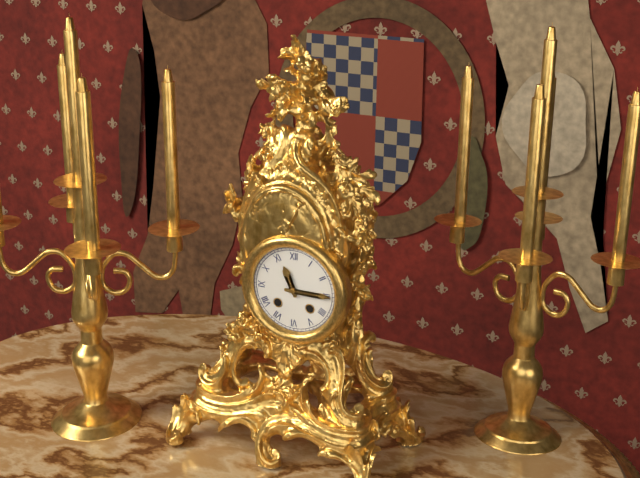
{"hour": 11, "minute": 15}
